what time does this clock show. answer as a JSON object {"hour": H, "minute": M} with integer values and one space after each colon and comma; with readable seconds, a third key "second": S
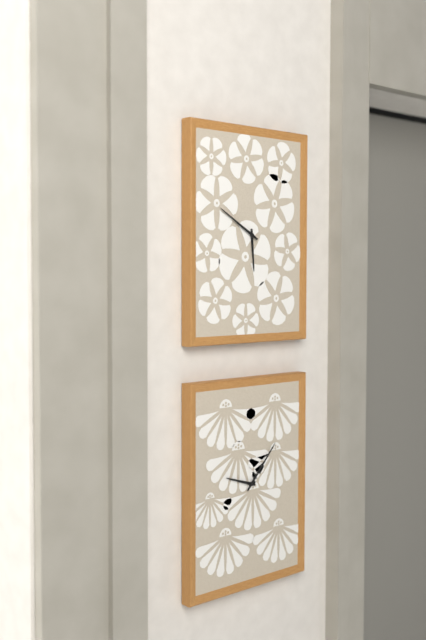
{"hour": 5, "minute": 50}
